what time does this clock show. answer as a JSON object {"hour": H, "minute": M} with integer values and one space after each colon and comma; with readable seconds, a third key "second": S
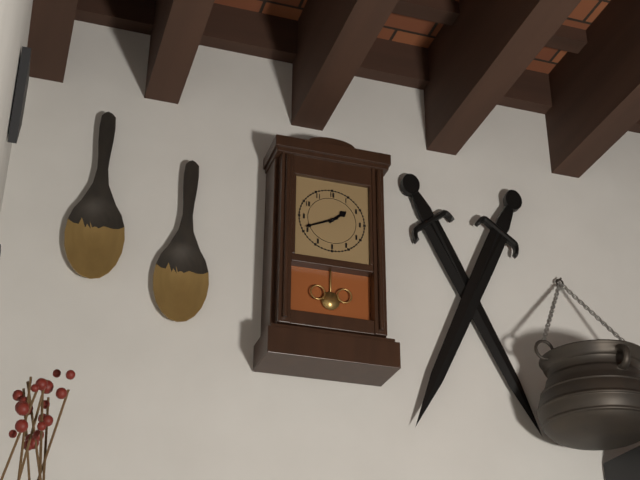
{"hour": 1, "minute": 41}
